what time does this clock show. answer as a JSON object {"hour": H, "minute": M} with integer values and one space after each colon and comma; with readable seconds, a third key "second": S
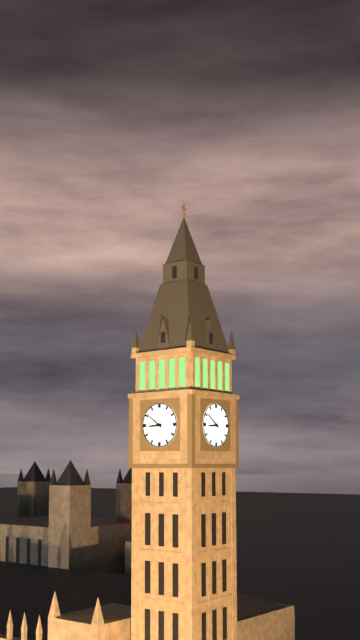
{"hour": 8, "minute": 51}
